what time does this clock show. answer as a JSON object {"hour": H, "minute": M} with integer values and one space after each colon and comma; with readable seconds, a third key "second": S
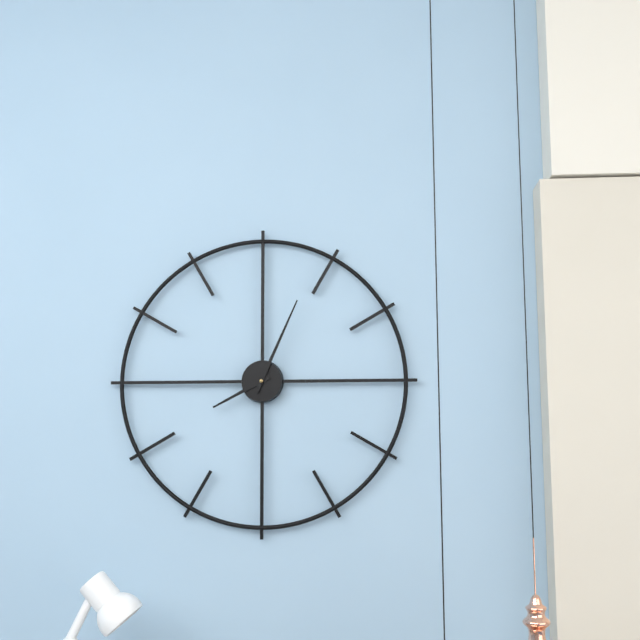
{"hour": 8, "minute": 4}
